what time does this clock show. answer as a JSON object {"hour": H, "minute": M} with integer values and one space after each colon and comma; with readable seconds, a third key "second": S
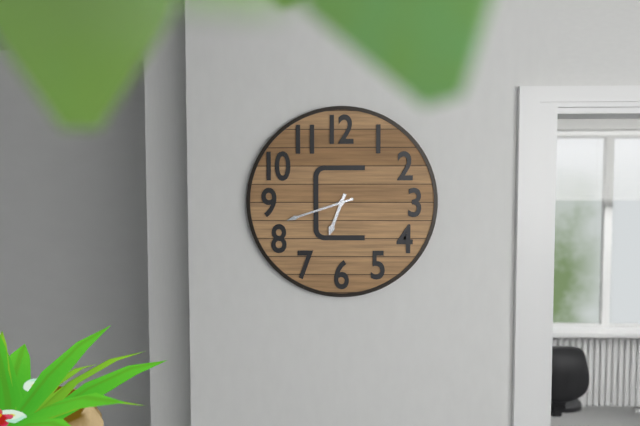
{"hour": 6, "minute": 42}
